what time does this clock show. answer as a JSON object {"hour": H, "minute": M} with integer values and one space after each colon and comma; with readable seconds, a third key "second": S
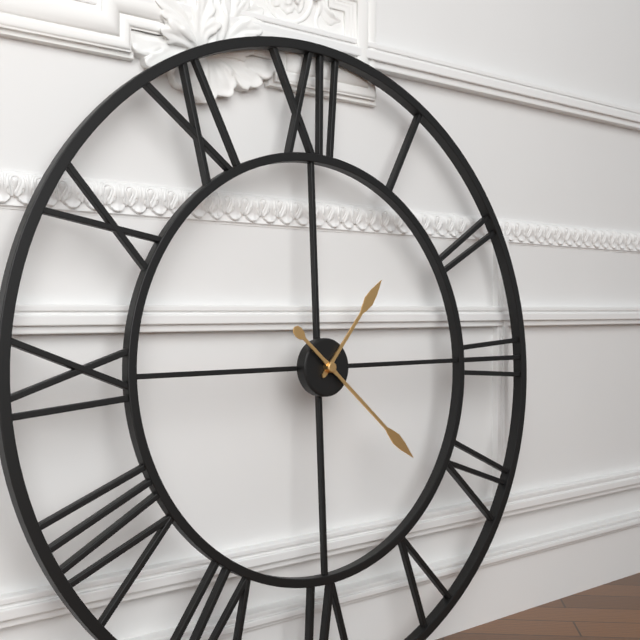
{"hour": 1, "minute": 22}
